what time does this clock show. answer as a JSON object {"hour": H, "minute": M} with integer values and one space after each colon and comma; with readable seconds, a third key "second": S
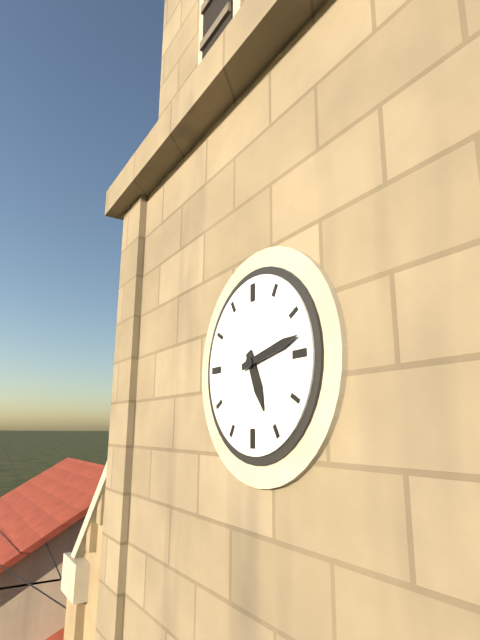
{"hour": 5, "minute": 13}
